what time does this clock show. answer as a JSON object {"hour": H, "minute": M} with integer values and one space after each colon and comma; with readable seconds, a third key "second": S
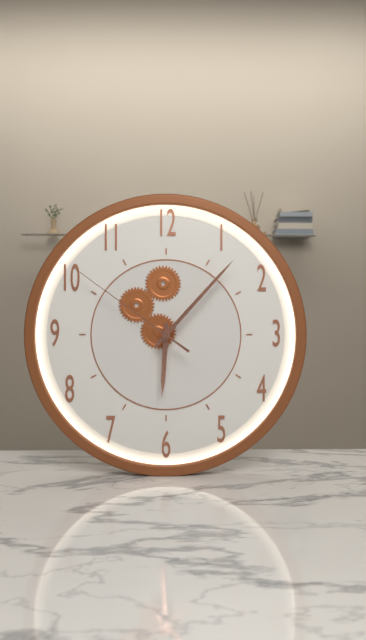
{"hour": 6, "minute": 7, "second": 51}
